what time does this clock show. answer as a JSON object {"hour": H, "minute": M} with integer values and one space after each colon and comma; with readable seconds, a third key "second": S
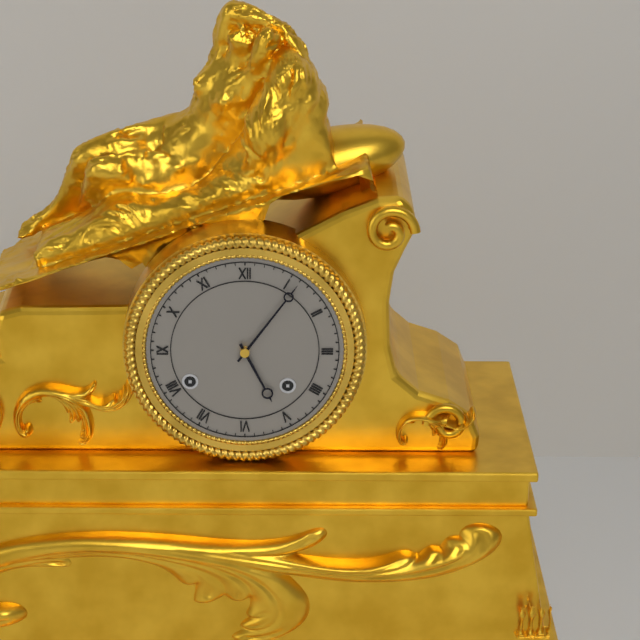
{"hour": 5, "minute": 6}
